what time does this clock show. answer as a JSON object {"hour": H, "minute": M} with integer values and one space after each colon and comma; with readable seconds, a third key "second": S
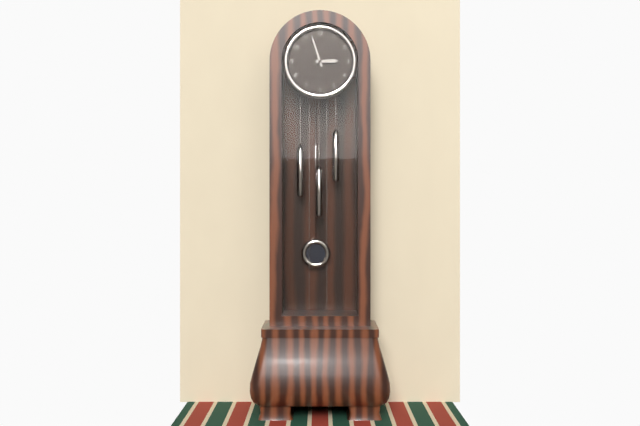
{"hour": 2, "minute": 57}
